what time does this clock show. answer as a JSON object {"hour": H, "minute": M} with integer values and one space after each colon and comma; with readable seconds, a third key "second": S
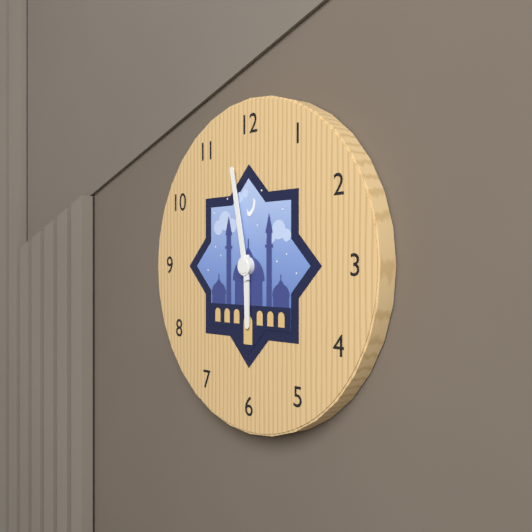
{"hour": 5, "minute": 58}
